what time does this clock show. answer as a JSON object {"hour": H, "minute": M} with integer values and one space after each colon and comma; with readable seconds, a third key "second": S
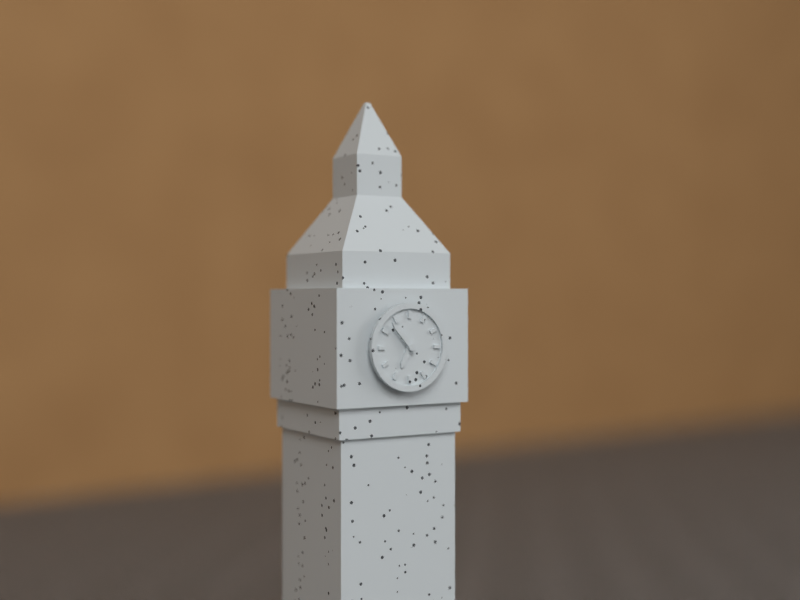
{"hour": 6, "minute": 53}
